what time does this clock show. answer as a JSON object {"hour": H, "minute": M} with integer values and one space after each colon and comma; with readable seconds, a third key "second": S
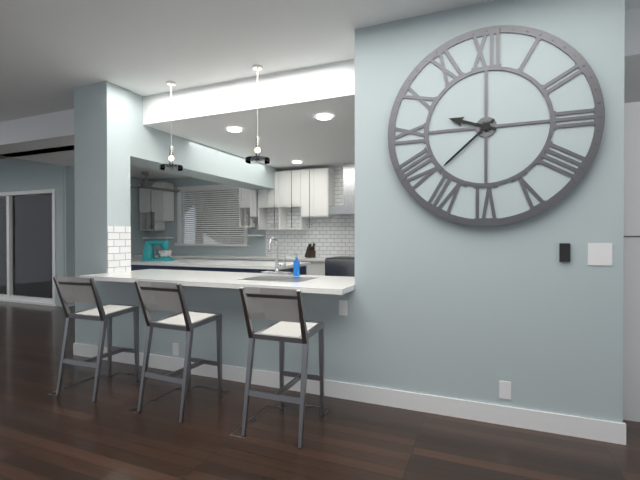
{"hour": 9, "minute": 38}
